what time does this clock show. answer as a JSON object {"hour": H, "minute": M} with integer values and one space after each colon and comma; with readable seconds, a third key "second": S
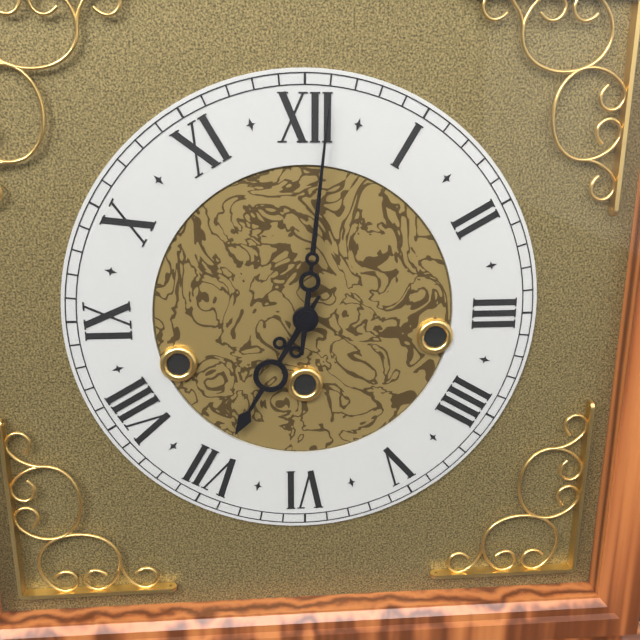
{"hour": 7, "minute": 1}
